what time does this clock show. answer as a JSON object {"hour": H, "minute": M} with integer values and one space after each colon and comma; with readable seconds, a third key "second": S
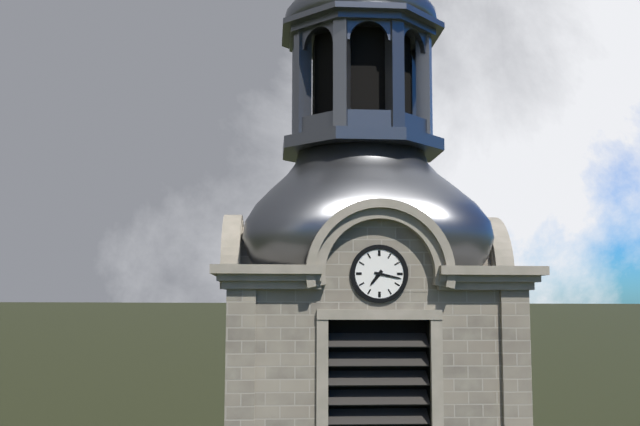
{"hour": 7, "minute": 17}
